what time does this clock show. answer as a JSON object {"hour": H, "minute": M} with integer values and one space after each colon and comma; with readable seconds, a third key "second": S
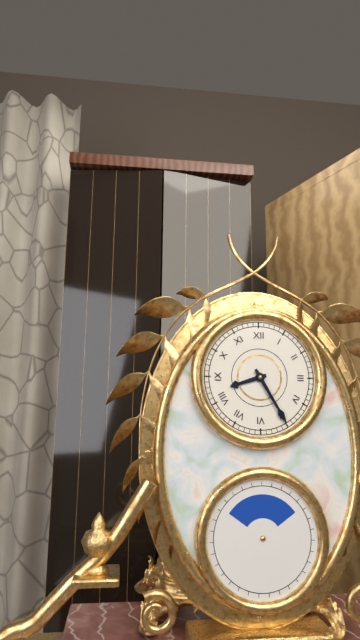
{"hour": 8, "minute": 25}
